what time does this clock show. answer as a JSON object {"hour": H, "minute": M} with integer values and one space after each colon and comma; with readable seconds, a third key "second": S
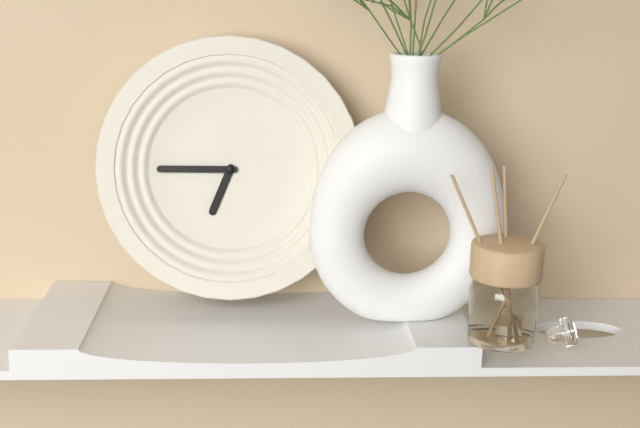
{"hour": 6, "minute": 45}
